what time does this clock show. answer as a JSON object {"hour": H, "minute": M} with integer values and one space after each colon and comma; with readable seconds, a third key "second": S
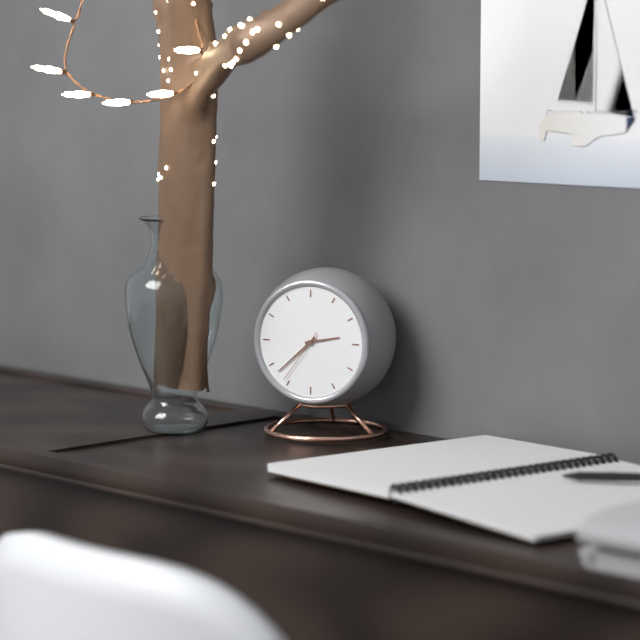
{"hour": 2, "minute": 38, "second": 36}
